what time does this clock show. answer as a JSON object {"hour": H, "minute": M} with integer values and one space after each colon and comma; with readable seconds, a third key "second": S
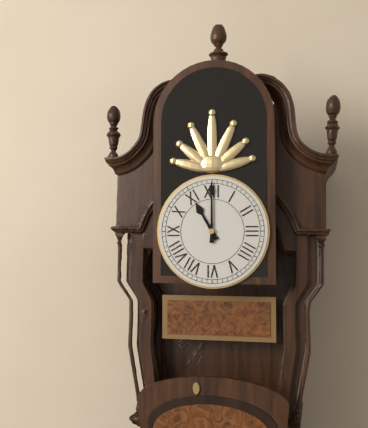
{"hour": 11, "minute": 0}
